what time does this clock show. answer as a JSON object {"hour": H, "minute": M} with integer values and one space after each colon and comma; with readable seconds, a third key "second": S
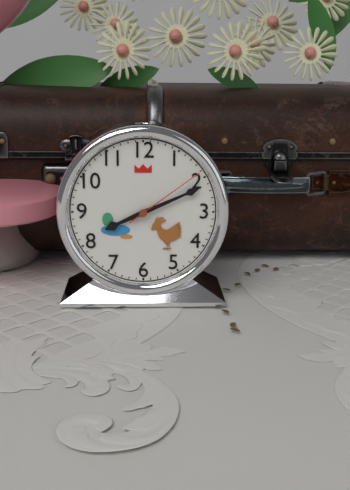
{"hour": 8, "minute": 11, "second": 9}
